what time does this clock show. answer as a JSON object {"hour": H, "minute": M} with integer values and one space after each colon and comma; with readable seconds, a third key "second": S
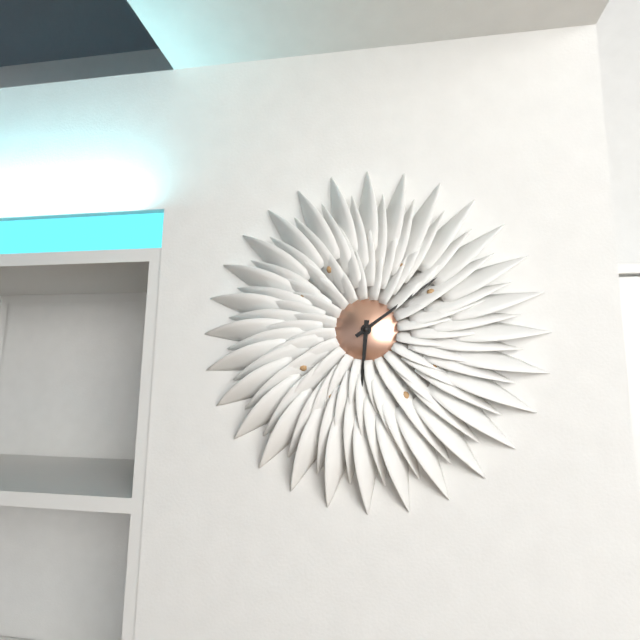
{"hour": 6, "minute": 9}
